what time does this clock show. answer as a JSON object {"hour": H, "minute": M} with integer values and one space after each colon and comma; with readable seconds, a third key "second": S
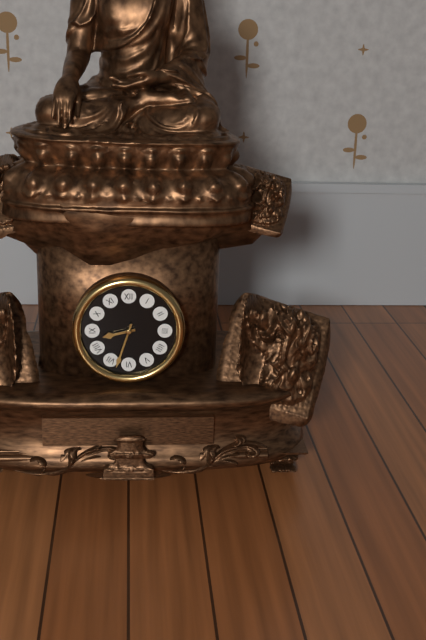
{"hour": 8, "minute": 33}
